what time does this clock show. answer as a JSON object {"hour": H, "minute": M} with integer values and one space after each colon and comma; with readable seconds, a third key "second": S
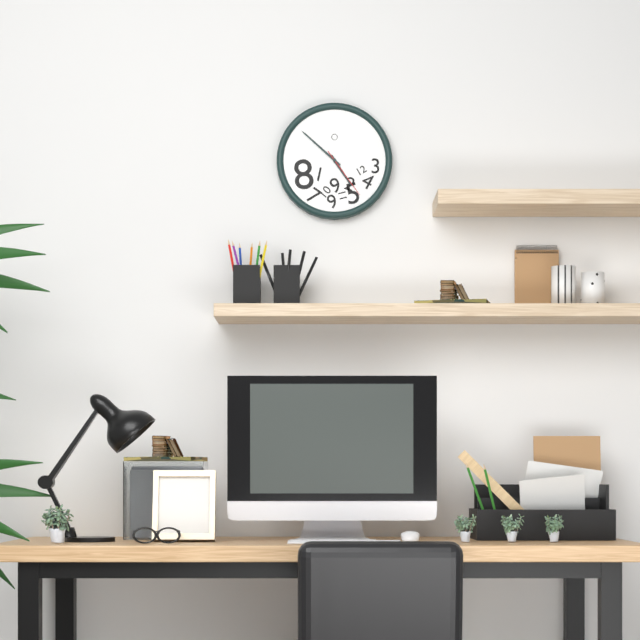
{"hour": 4, "minute": 52, "second": 24}
